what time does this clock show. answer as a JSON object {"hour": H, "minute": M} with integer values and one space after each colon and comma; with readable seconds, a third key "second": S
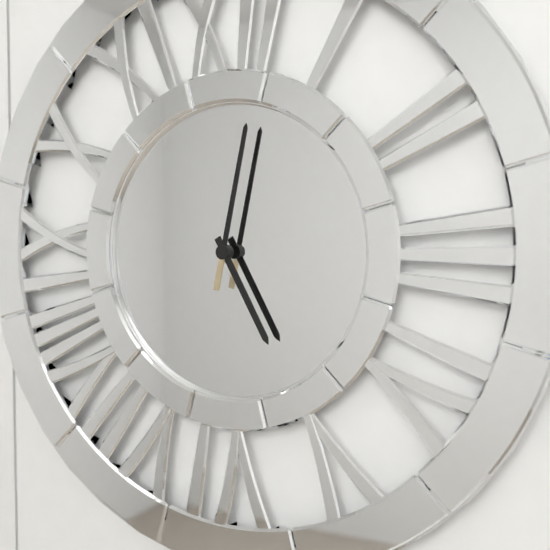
{"hour": 5, "minute": 2}
